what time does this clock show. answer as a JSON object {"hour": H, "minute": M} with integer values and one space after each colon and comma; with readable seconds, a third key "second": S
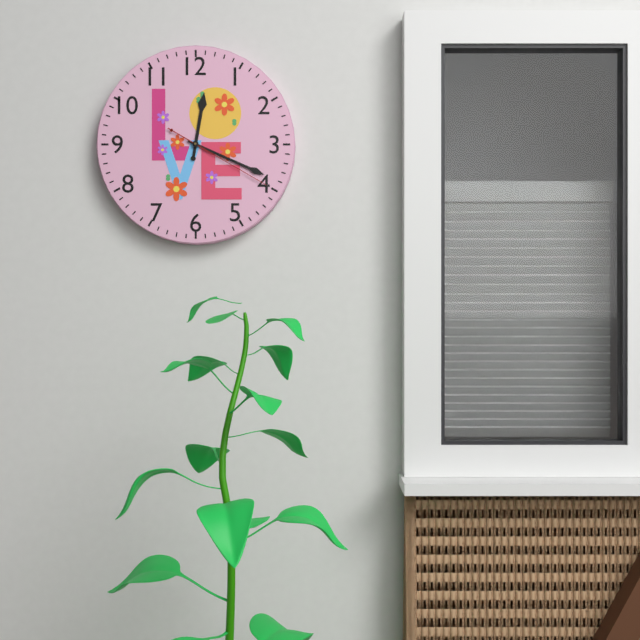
{"hour": 12, "minute": 19, "second": 20}
